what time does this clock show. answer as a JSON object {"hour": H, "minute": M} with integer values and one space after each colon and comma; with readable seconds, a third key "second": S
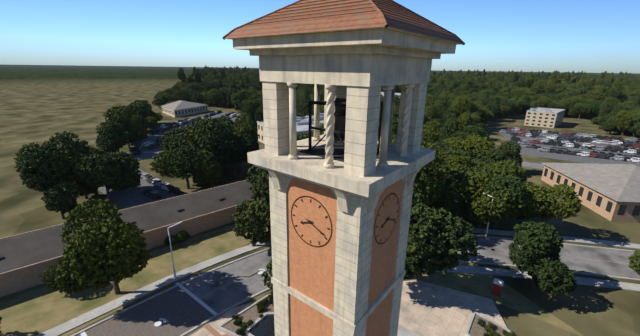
{"hour": 8, "minute": 19}
